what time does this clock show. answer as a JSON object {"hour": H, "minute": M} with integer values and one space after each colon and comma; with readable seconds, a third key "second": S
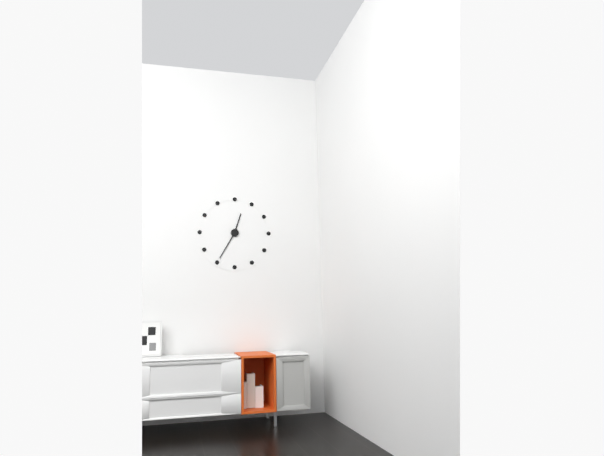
{"hour": 12, "minute": 35}
